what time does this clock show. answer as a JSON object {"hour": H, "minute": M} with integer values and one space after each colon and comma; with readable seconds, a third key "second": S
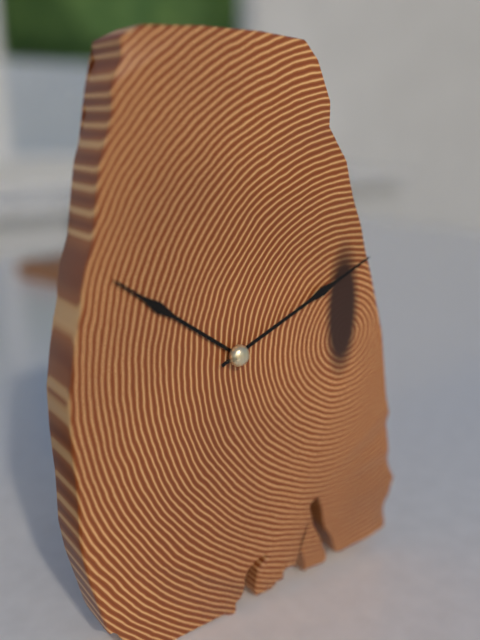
{"hour": 10, "minute": 11}
